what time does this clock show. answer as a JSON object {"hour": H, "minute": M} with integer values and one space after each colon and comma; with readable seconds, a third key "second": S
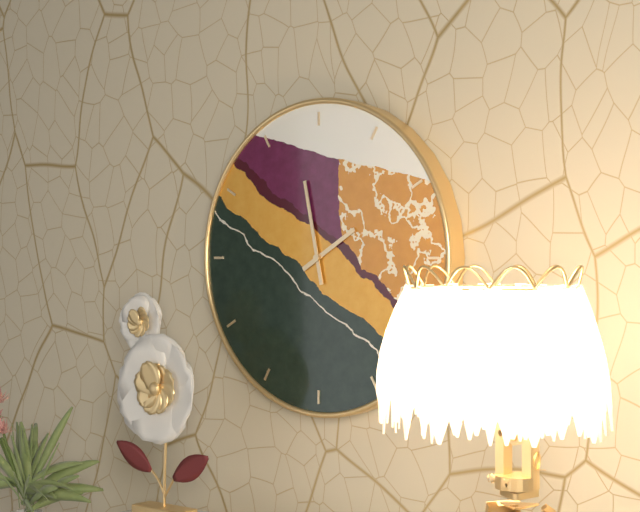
{"hour": 1, "minute": 58}
